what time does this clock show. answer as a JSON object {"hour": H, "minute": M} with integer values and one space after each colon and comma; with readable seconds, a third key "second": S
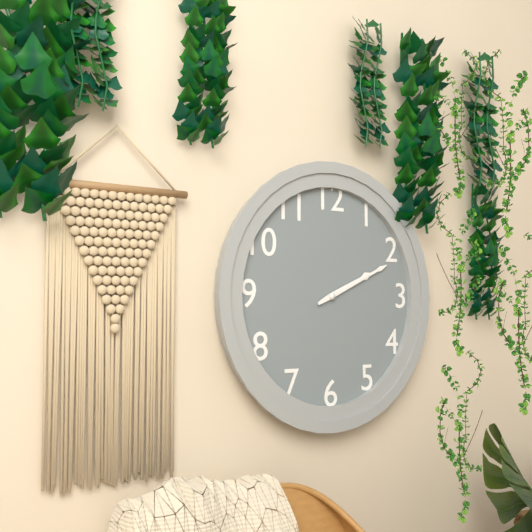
{"hour": 2, "minute": 11}
